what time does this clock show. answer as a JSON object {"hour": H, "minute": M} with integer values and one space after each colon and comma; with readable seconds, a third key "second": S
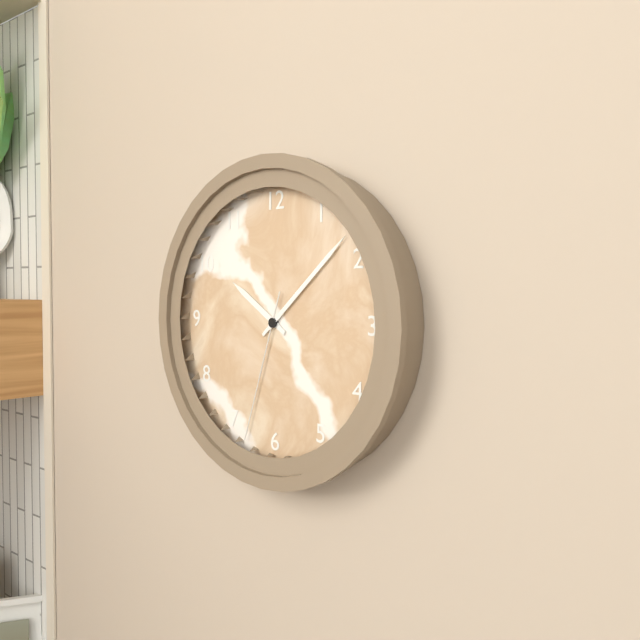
{"hour": 10, "minute": 8, "second": 33}
